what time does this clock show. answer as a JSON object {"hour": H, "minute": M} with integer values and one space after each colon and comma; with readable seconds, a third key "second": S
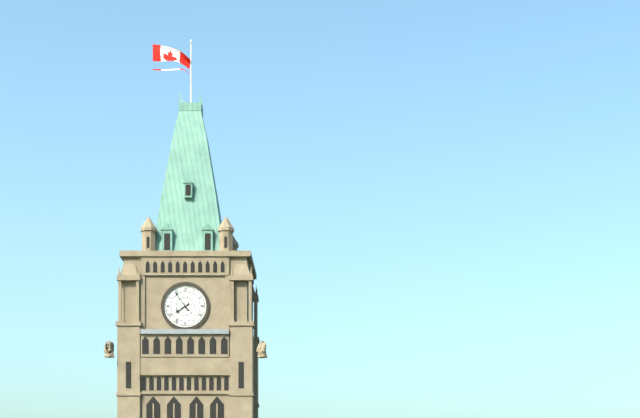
{"hour": 7, "minute": 54}
